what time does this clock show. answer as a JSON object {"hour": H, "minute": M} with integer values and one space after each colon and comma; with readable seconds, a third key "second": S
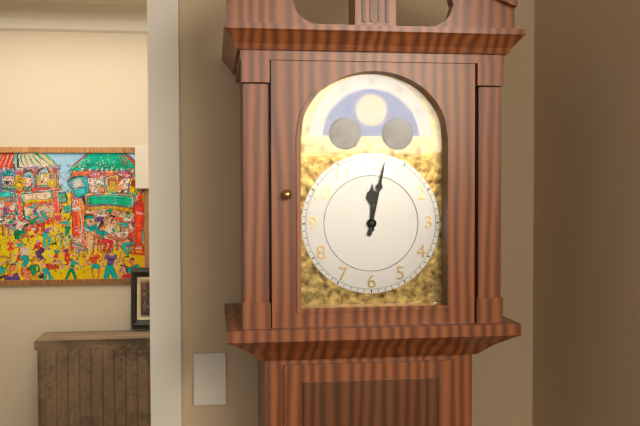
{"hour": 12, "minute": 2}
